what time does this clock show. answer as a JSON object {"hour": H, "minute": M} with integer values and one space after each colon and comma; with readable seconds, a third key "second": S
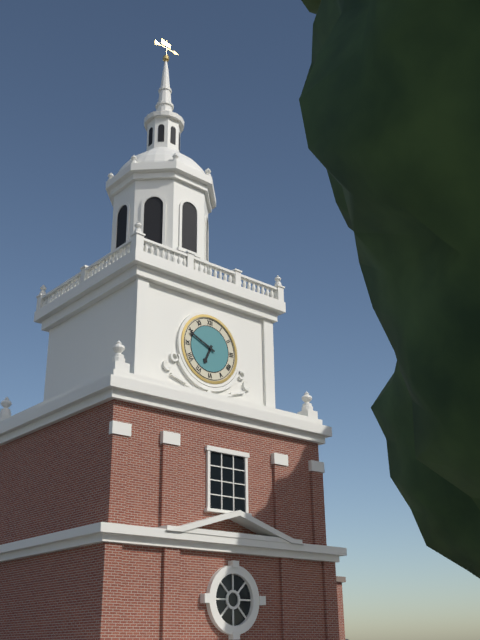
{"hour": 6, "minute": 49}
